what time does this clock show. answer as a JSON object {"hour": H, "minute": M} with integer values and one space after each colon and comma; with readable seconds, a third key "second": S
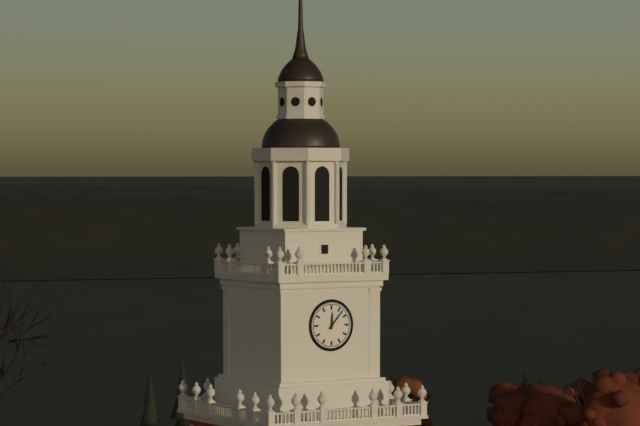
{"hour": 12, "minute": 7}
